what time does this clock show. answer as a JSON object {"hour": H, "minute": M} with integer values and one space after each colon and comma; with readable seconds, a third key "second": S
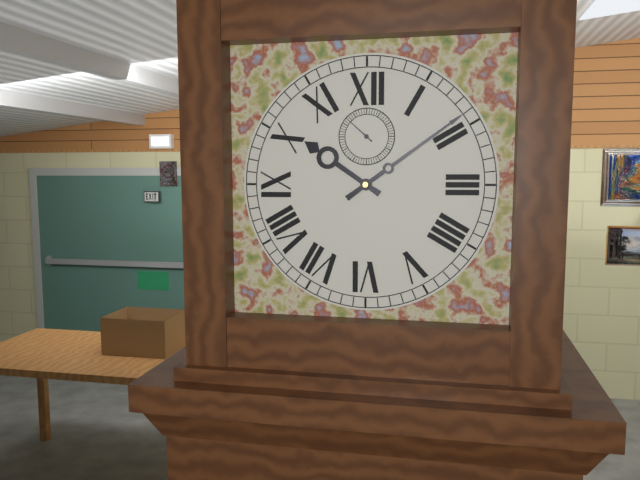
{"hour": 10, "minute": 9}
